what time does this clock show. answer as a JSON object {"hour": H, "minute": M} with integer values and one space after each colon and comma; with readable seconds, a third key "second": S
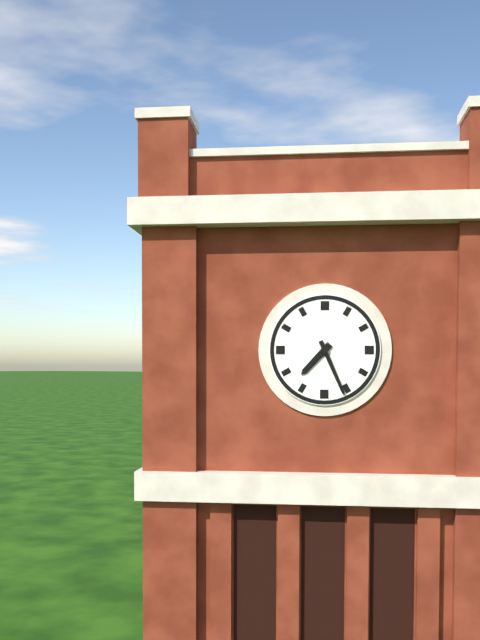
{"hour": 7, "minute": 26}
